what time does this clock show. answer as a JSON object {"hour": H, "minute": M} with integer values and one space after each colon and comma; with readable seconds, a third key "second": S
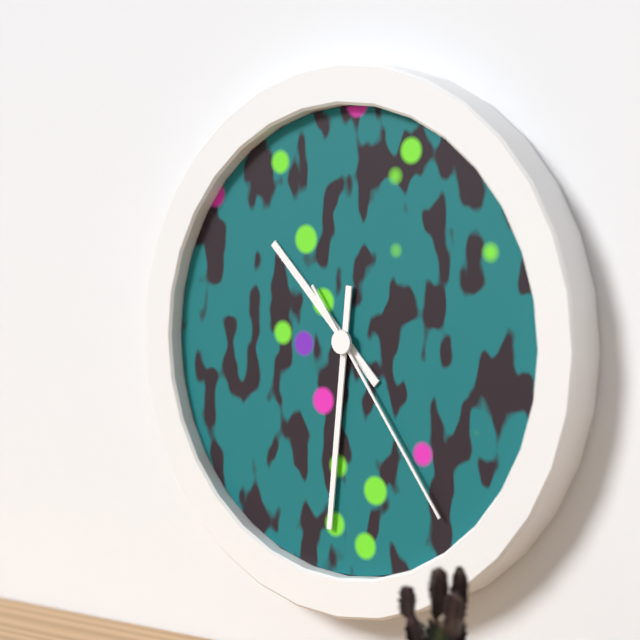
{"hour": 10, "minute": 31, "second": 24}
